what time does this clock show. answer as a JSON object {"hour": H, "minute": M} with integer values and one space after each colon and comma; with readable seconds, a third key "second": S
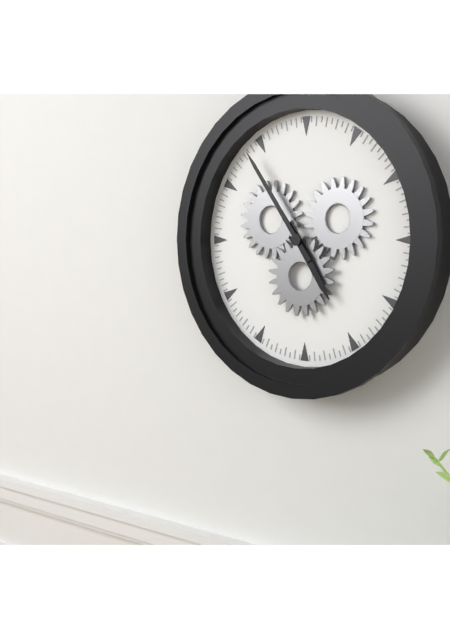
{"hour": 4, "minute": 54}
